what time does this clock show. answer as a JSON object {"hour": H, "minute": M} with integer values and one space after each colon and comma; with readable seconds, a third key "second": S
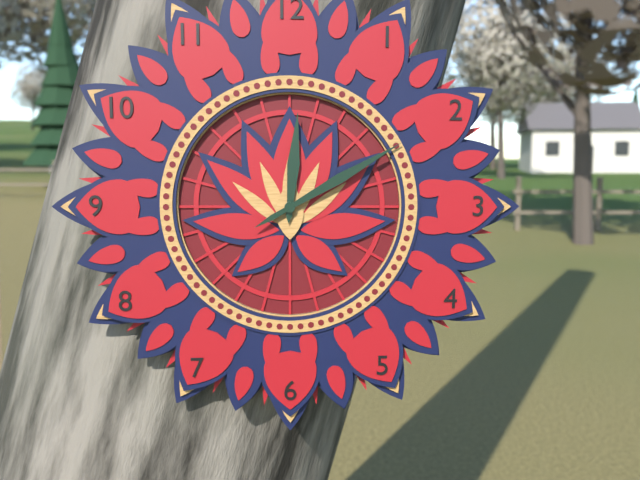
{"hour": 12, "minute": 10}
